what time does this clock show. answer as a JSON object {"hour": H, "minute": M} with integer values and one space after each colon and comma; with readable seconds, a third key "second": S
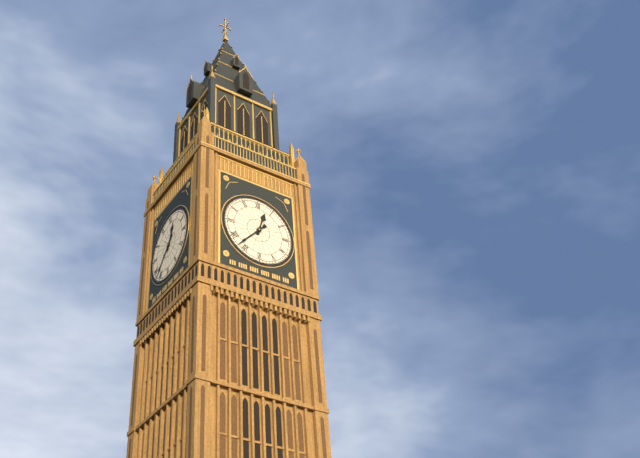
{"hour": 12, "minute": 37}
